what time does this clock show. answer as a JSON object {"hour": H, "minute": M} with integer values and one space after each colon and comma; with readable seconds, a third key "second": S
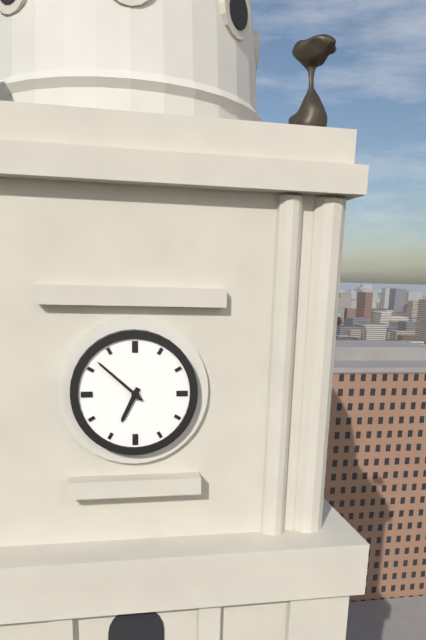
{"hour": 6, "minute": 52}
